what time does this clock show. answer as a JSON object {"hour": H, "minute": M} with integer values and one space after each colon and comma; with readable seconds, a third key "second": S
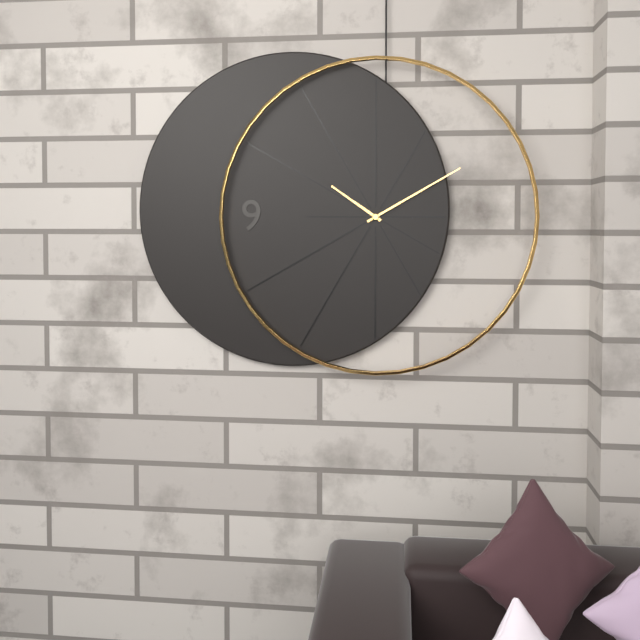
{"hour": 10, "minute": 10}
